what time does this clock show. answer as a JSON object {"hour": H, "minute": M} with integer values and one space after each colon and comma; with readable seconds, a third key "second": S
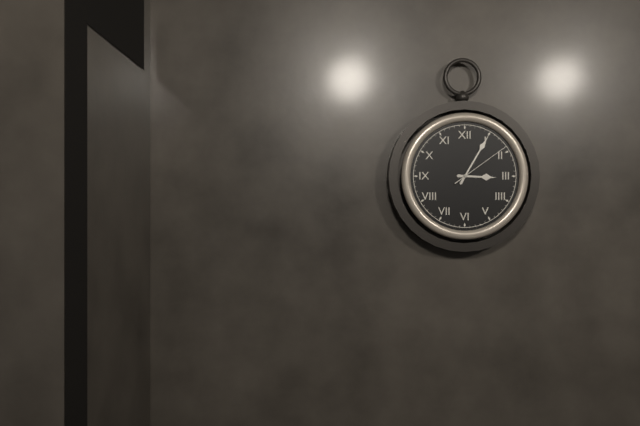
{"hour": 3, "minute": 5, "second": 9}
